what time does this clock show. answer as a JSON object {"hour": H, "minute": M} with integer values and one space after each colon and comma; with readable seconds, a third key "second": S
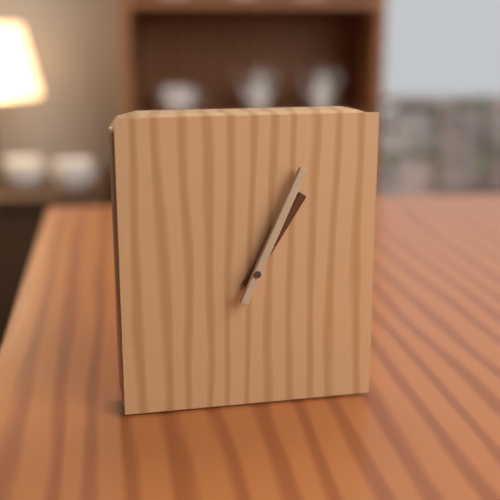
{"hour": 1, "minute": 4}
